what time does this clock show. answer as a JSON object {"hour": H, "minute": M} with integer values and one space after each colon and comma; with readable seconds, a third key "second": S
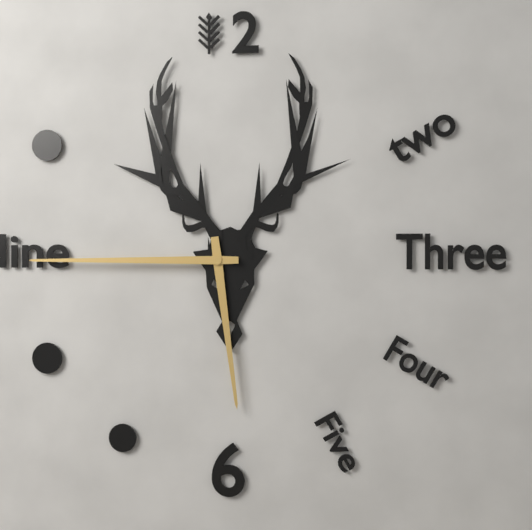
{"hour": 5, "minute": 45}
